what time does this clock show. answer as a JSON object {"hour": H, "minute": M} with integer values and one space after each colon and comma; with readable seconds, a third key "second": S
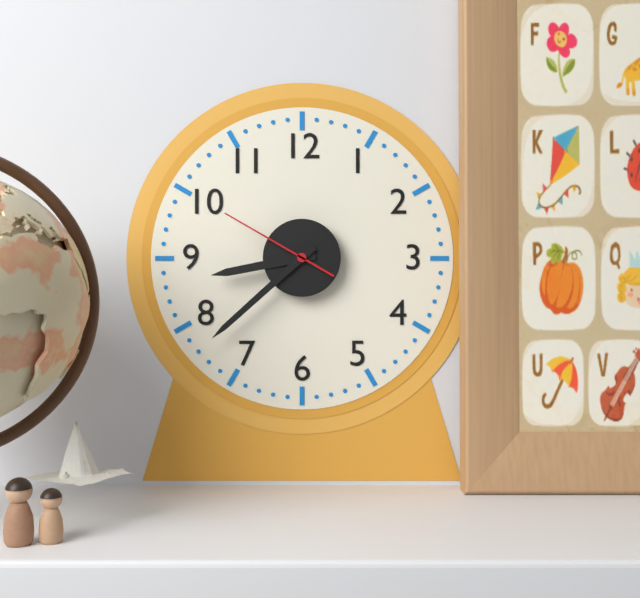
{"hour": 8, "minute": 38, "second": 50}
